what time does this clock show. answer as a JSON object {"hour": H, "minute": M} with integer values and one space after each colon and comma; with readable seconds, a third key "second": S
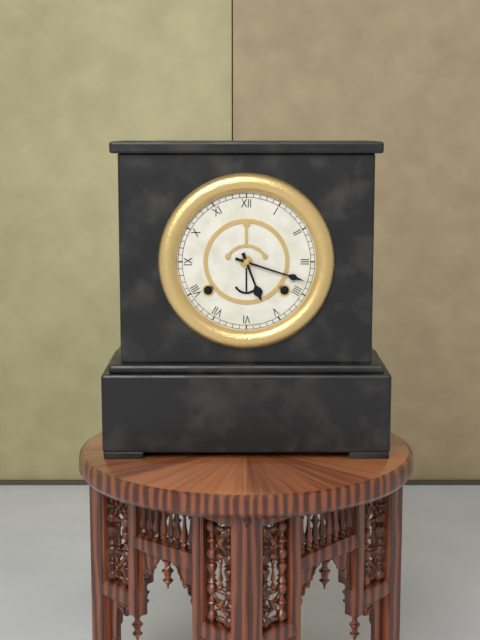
{"hour": 5, "minute": 18}
